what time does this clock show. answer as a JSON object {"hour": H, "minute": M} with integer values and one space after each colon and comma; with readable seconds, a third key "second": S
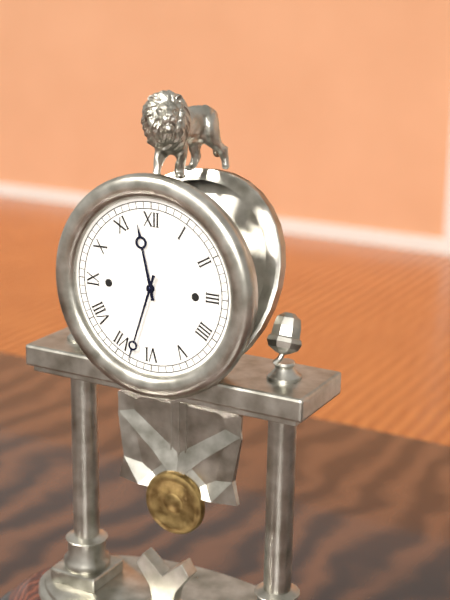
{"hour": 11, "minute": 33}
